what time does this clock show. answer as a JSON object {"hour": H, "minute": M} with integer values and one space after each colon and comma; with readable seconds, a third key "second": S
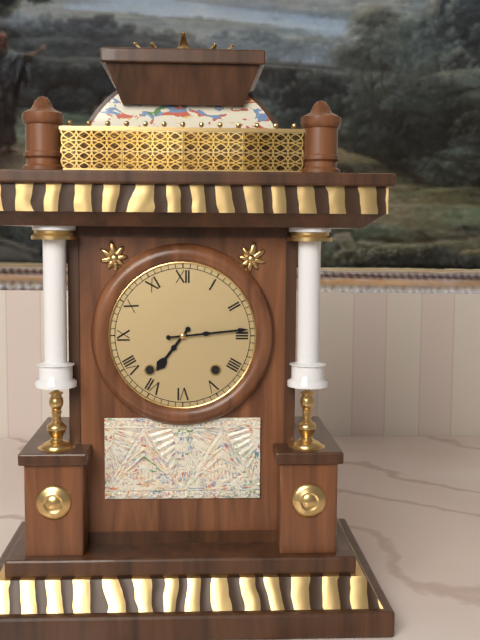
{"hour": 7, "minute": 14}
